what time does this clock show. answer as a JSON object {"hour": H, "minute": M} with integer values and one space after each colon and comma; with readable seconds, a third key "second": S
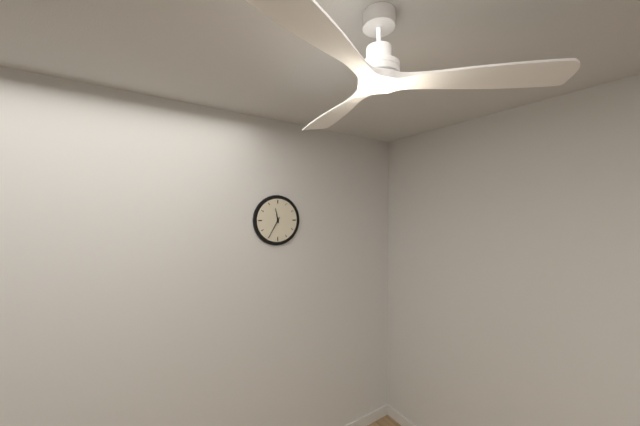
{"hour": 11, "minute": 35}
